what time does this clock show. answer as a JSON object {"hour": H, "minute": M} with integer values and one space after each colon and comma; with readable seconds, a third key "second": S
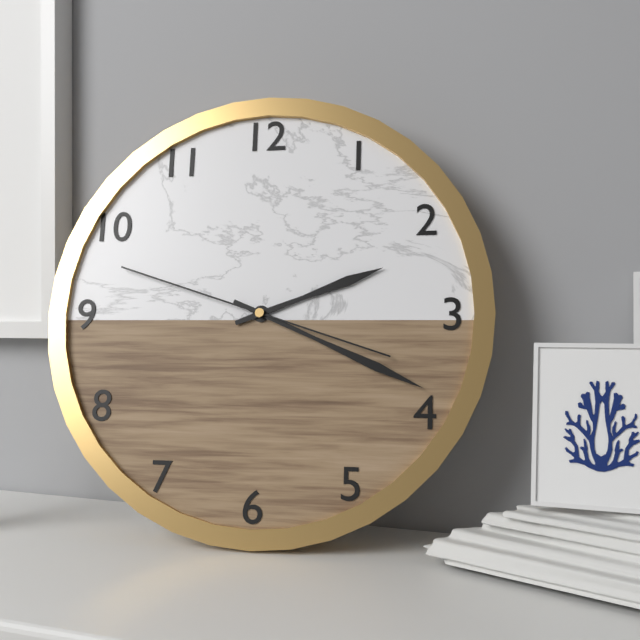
{"hour": 2, "minute": 19, "second": 48}
